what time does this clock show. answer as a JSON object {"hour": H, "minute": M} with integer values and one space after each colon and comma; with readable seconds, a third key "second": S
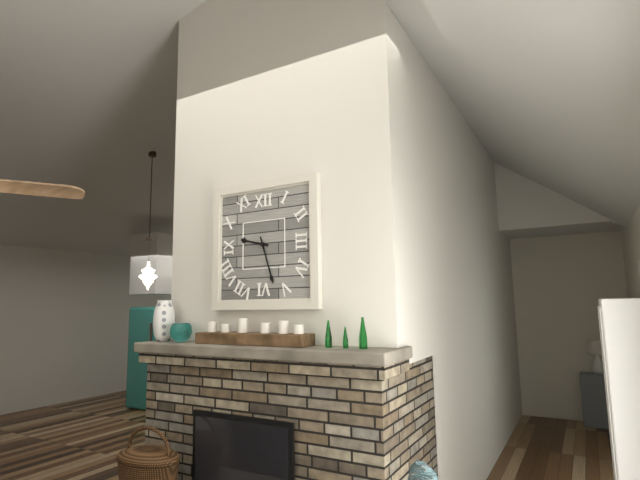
{"hour": 9, "minute": 27}
